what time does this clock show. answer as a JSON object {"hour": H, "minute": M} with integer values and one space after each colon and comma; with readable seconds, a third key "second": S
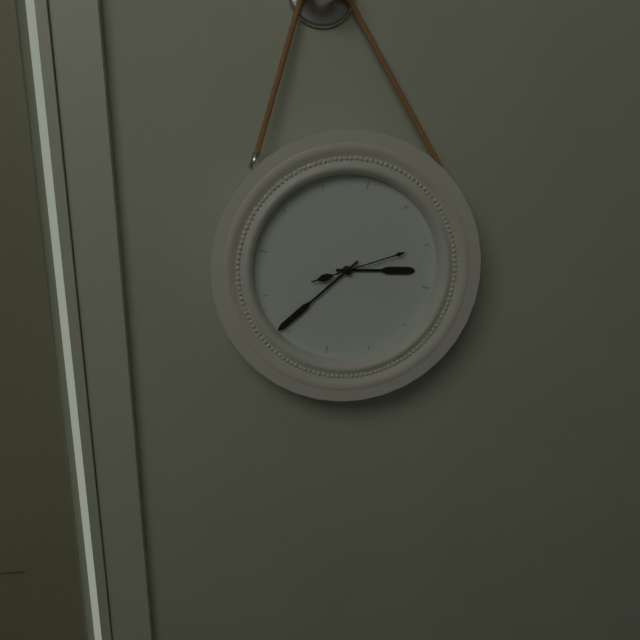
{"hour": 2, "minute": 36, "second": 10}
